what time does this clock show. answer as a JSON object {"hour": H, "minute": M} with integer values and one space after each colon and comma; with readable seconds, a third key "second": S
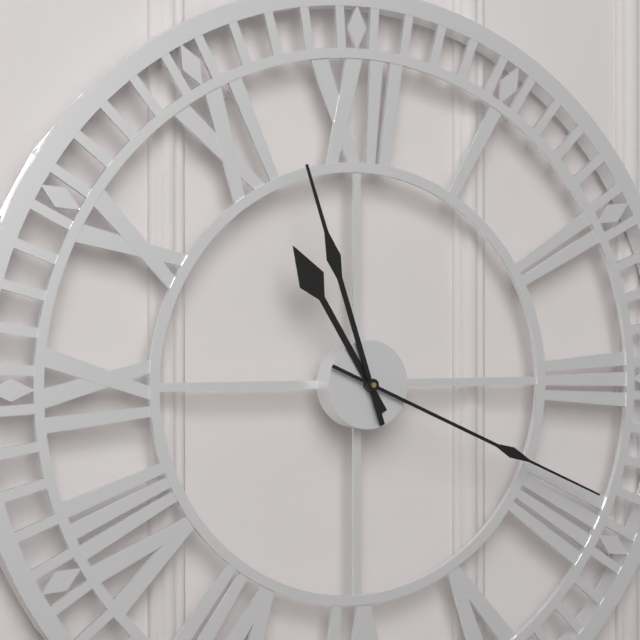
{"hour": 10, "minute": 57, "second": 19}
